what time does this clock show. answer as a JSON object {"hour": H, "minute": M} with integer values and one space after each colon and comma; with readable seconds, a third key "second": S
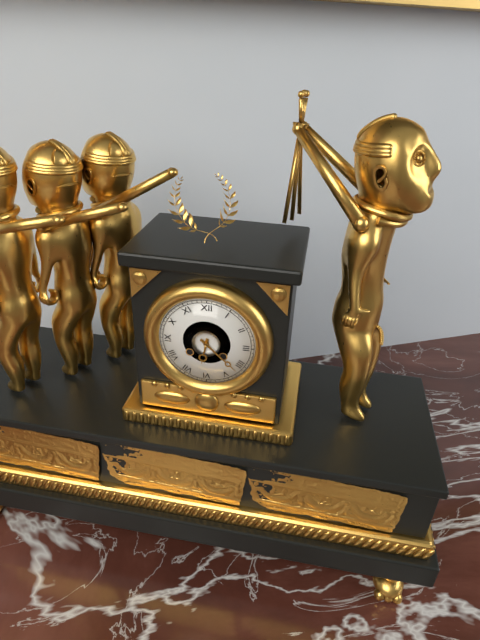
{"hour": 6, "minute": 22}
